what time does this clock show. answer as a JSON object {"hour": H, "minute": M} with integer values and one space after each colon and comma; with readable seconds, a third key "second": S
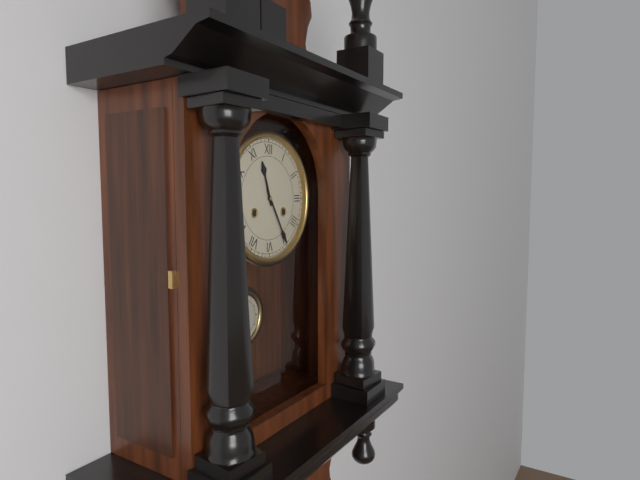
{"hour": 11, "minute": 25}
